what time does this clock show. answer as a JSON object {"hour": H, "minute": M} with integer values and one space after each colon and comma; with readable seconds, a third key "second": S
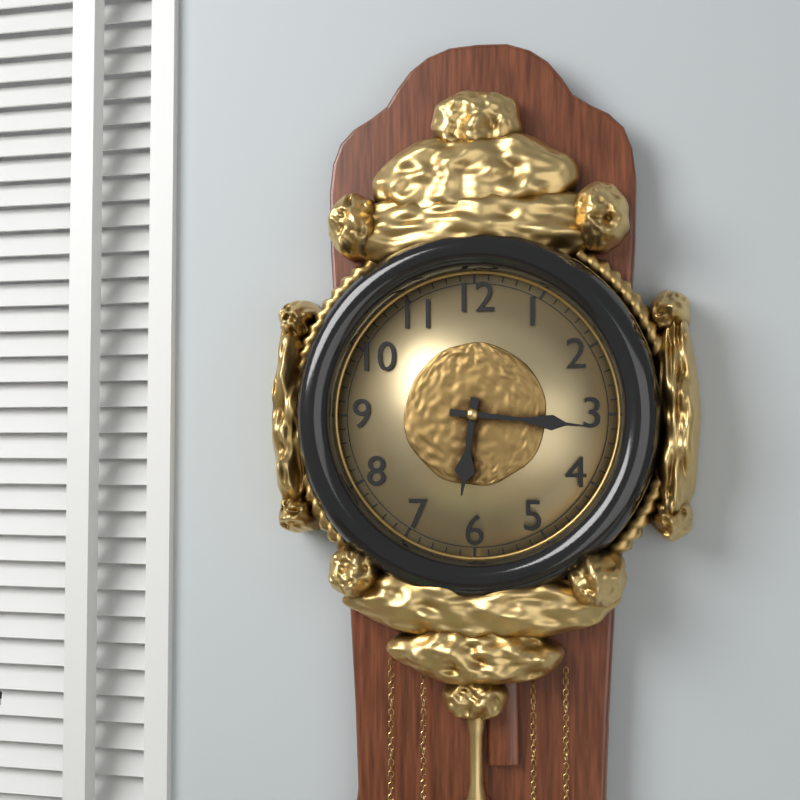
{"hour": 6, "minute": 16}
